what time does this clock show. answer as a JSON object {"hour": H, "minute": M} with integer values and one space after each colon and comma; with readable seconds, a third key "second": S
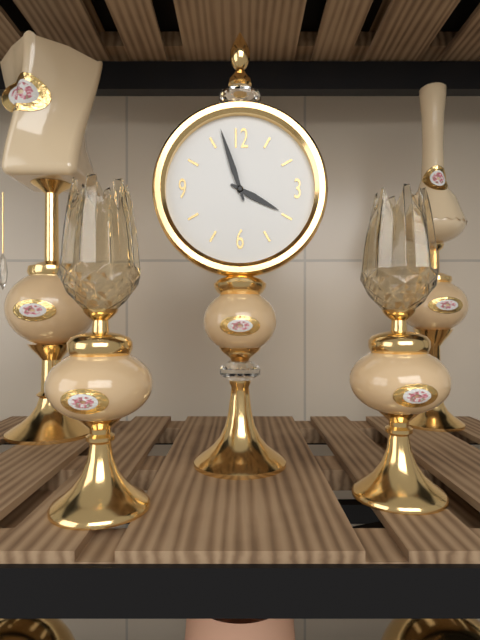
{"hour": 3, "minute": 57}
